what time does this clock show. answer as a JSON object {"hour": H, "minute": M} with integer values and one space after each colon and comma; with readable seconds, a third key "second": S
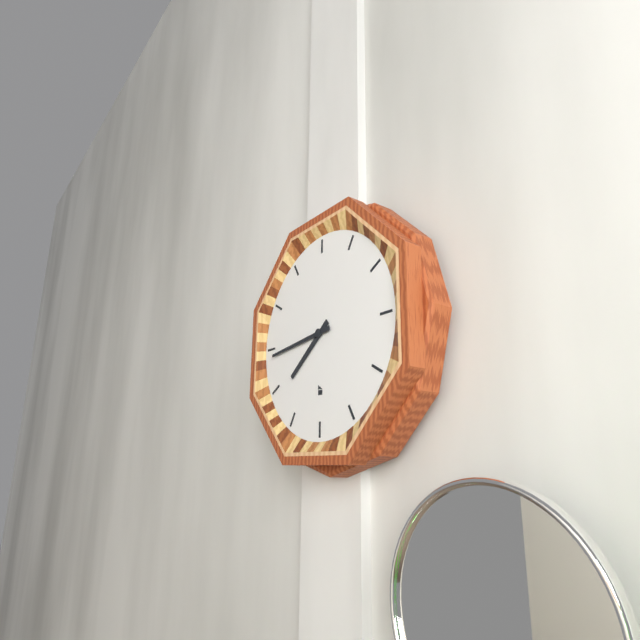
{"hour": 7, "minute": 44}
